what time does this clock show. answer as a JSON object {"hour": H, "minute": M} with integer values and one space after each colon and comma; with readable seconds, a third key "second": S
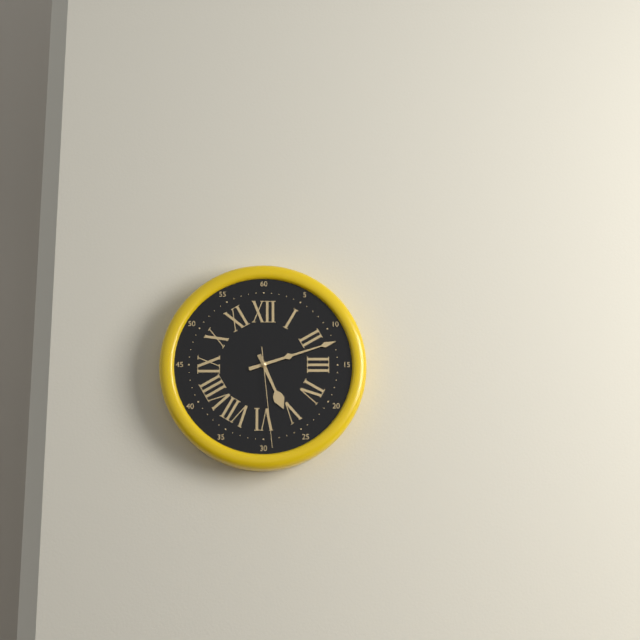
{"hour": 5, "minute": 12, "second": 29}
